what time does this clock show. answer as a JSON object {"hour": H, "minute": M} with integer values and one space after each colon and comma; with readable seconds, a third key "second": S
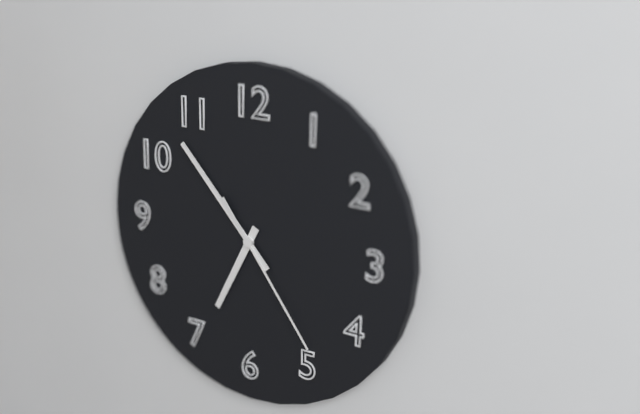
{"hour": 6, "minute": 53, "second": 24}
